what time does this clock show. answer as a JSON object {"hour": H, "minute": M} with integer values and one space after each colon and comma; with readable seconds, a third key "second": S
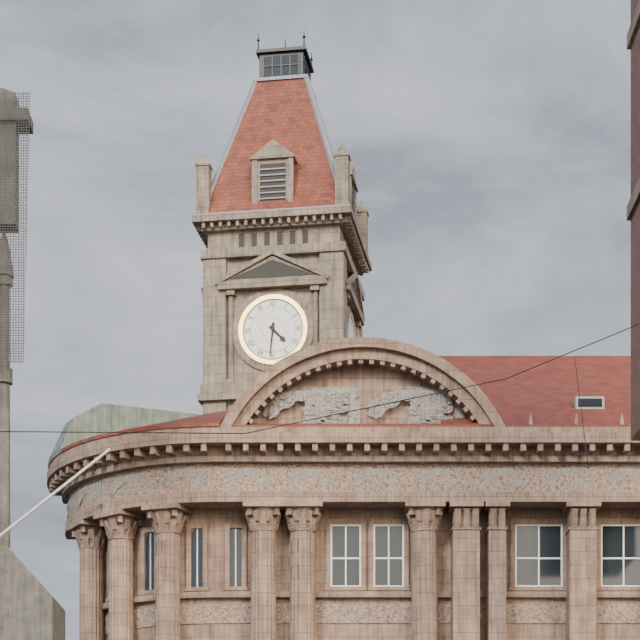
{"hour": 4, "minute": 31}
